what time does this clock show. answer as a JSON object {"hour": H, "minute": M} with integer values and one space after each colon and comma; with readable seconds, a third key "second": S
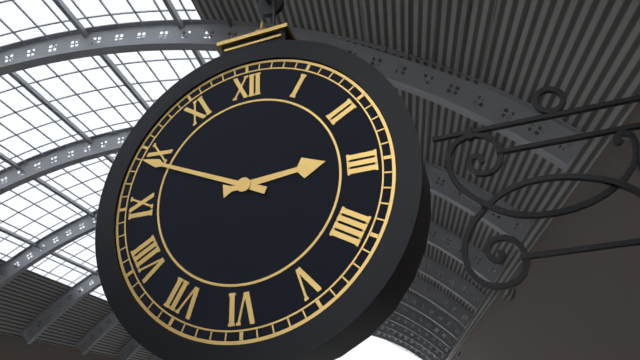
{"hour": 2, "minute": 49}
